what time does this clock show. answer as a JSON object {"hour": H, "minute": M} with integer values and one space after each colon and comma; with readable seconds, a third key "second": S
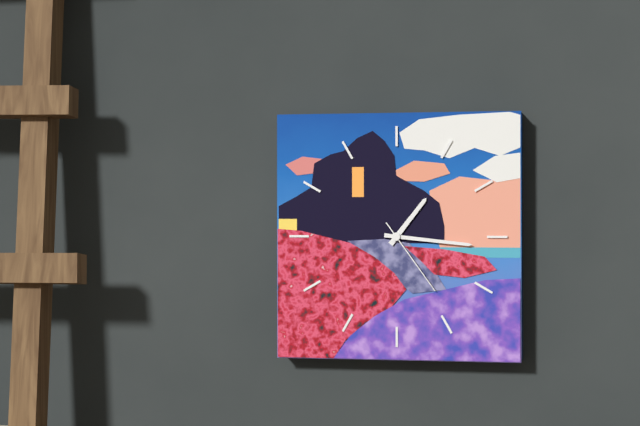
{"hour": 1, "minute": 16, "second": 24}
